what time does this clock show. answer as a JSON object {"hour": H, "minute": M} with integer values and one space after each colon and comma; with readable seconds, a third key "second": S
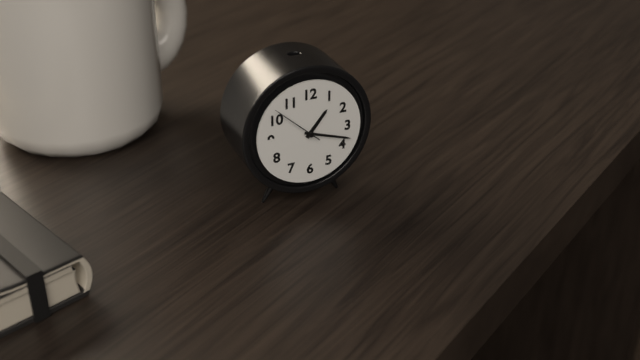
{"hour": 1, "minute": 18, "second": 52}
